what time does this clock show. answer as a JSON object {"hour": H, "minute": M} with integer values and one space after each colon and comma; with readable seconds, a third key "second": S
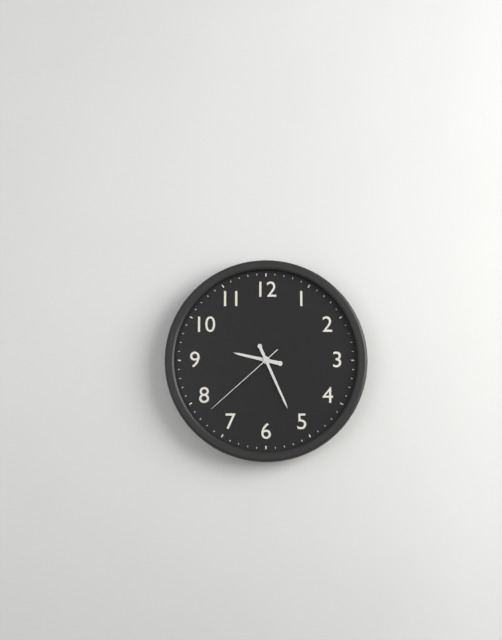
{"hour": 9, "minute": 26, "second": 38}
